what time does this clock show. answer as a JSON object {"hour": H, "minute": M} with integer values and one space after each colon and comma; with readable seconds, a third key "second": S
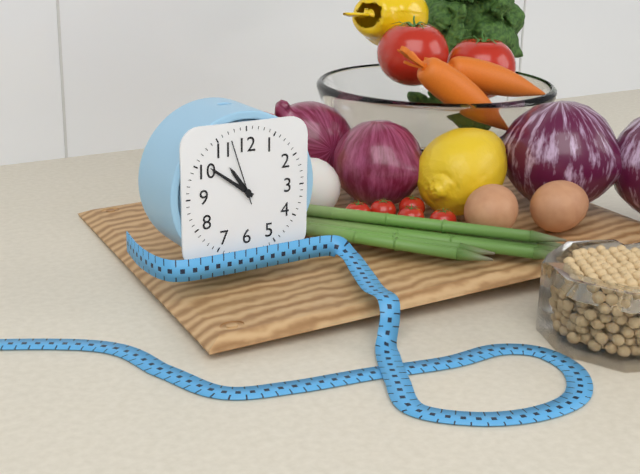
{"hour": 10, "minute": 51, "second": 57}
